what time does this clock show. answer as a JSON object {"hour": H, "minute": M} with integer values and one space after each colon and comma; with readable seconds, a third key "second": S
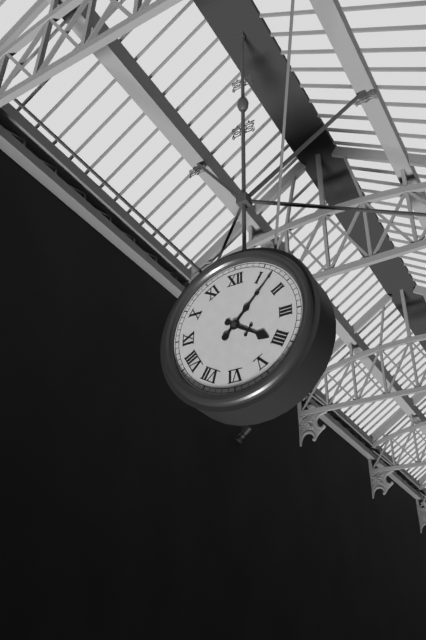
{"hour": 4, "minute": 7}
